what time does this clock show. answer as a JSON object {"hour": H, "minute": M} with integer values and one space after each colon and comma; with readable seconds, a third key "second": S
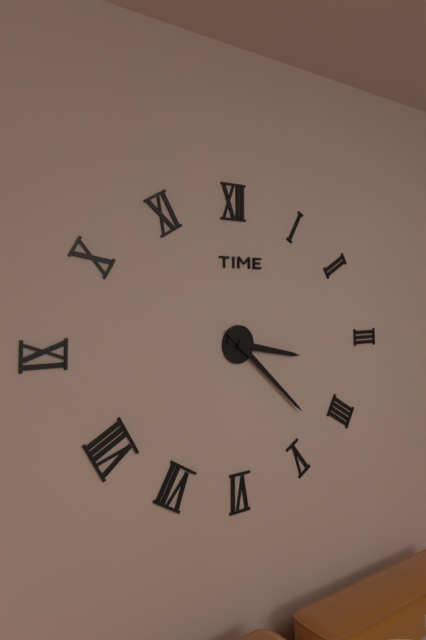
{"hour": 3, "minute": 22}
